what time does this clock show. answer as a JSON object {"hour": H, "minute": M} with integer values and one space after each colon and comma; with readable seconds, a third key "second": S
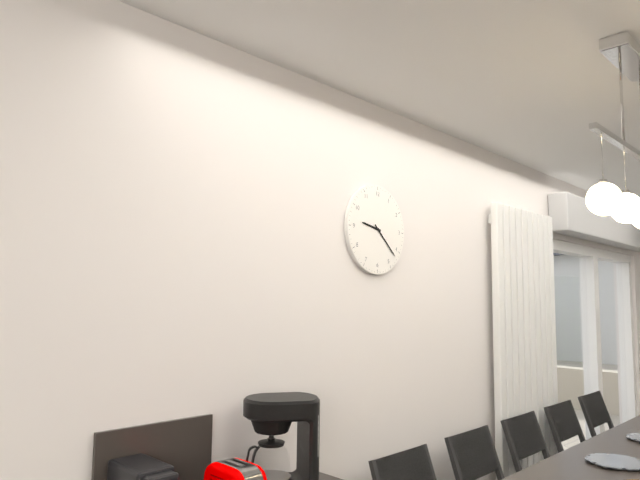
{"hour": 9, "minute": 22}
